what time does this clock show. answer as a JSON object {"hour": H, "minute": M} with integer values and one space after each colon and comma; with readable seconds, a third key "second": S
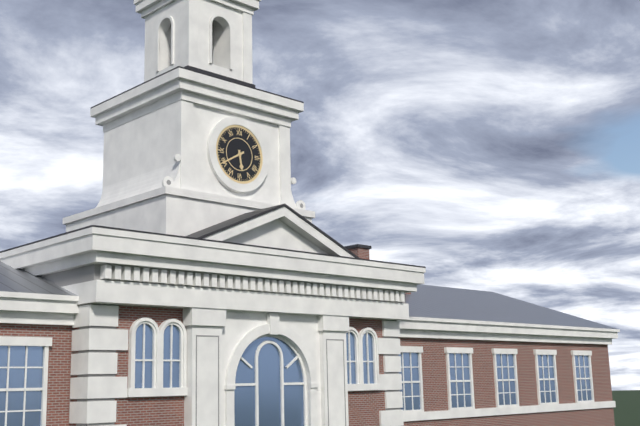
{"hour": 5, "minute": 40}
